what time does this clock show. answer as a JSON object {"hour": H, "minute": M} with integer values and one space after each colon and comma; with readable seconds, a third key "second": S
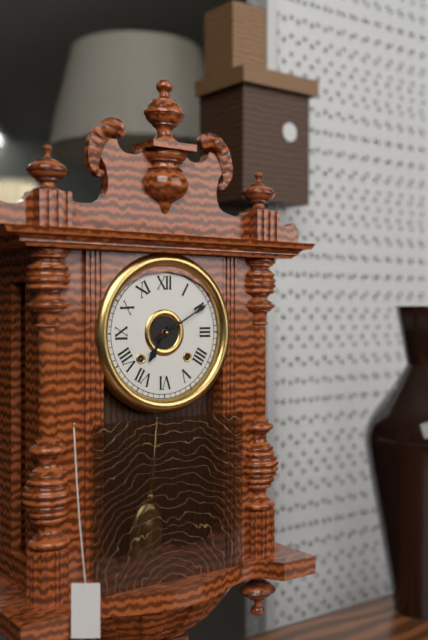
{"hour": 7, "minute": 10}
